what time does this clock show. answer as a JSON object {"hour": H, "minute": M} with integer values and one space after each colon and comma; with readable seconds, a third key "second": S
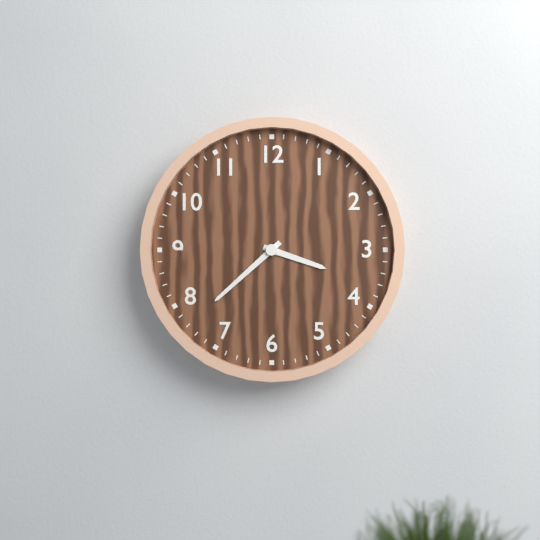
{"hour": 3, "minute": 38}
